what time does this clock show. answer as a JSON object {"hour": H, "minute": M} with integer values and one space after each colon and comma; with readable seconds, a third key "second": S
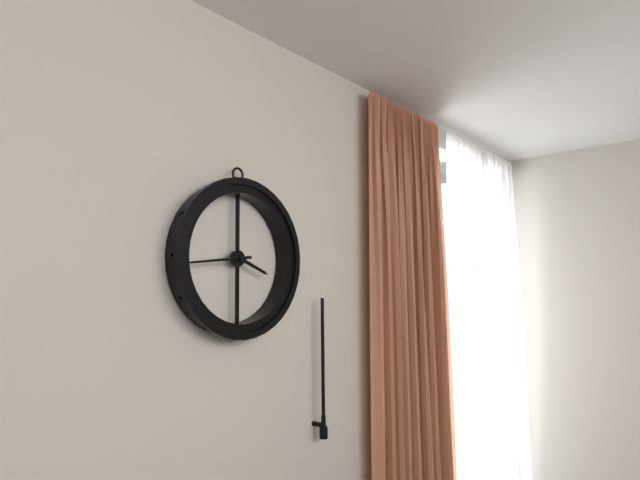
{"hour": 3, "minute": 44}
